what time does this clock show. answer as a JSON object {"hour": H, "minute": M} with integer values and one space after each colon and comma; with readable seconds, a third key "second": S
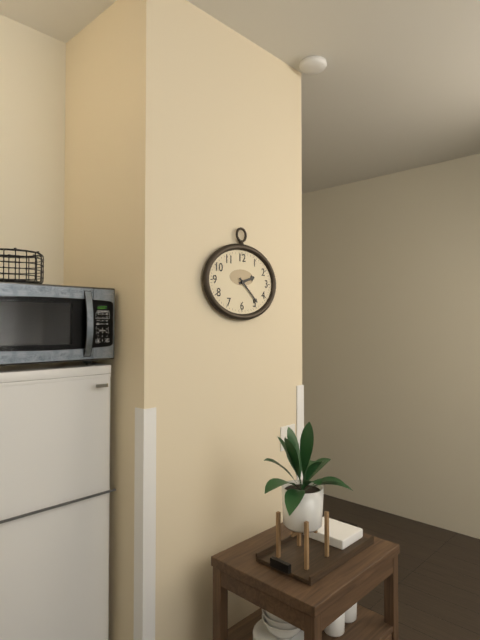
{"hour": 2, "minute": 22}
